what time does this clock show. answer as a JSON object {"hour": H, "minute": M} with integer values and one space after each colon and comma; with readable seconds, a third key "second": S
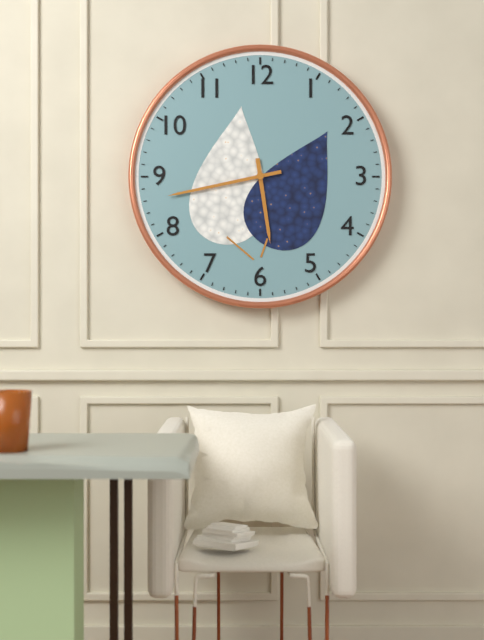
{"hour": 5, "minute": 43}
